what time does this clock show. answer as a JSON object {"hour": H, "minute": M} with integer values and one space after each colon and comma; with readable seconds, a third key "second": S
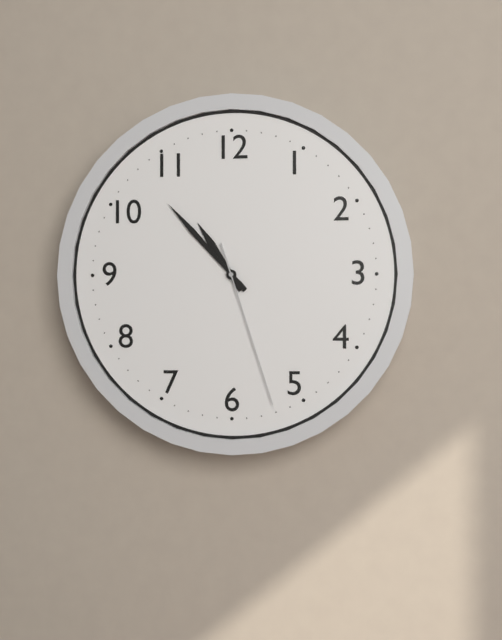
{"hour": 10, "minute": 53, "second": 27}
